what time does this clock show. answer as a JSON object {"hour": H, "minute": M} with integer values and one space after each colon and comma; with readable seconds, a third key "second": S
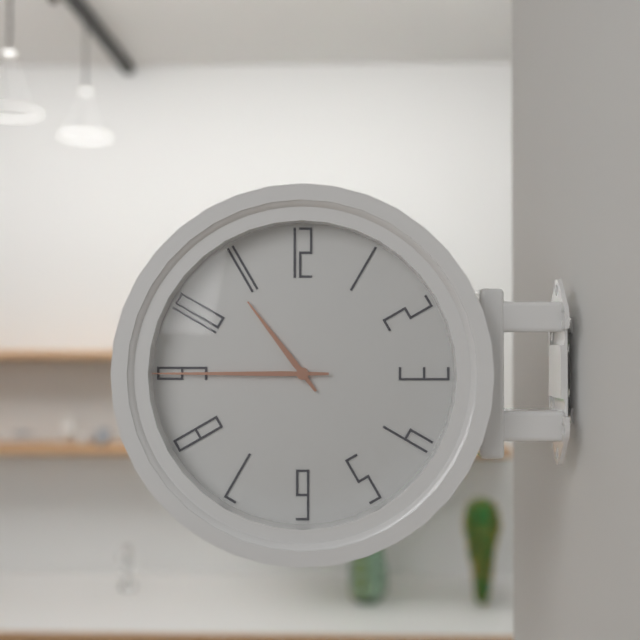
{"hour": 10, "minute": 45}
